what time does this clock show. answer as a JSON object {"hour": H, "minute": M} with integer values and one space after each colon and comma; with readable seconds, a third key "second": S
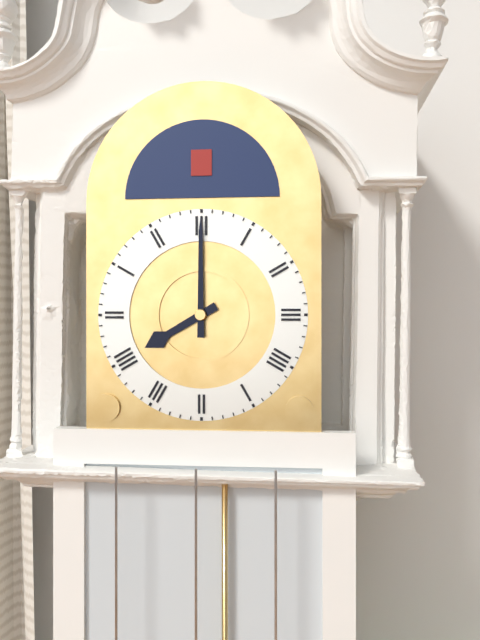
{"hour": 8, "minute": 0}
